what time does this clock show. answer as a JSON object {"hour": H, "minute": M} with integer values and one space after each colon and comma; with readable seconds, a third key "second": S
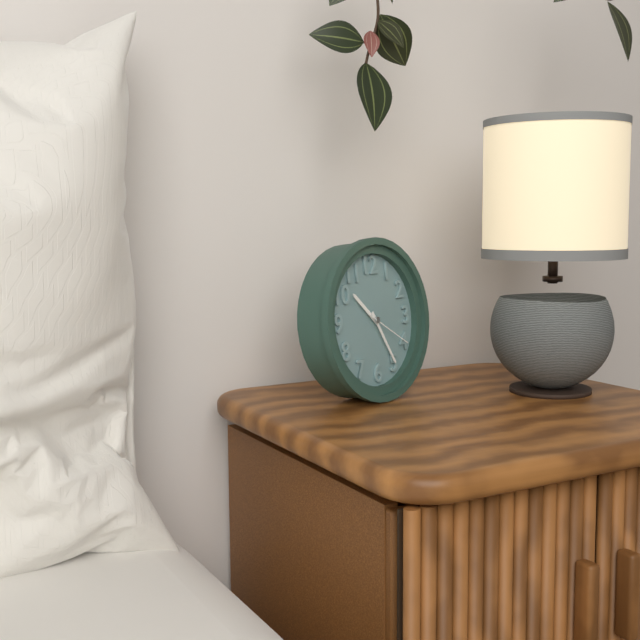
{"hour": 10, "minute": 25}
